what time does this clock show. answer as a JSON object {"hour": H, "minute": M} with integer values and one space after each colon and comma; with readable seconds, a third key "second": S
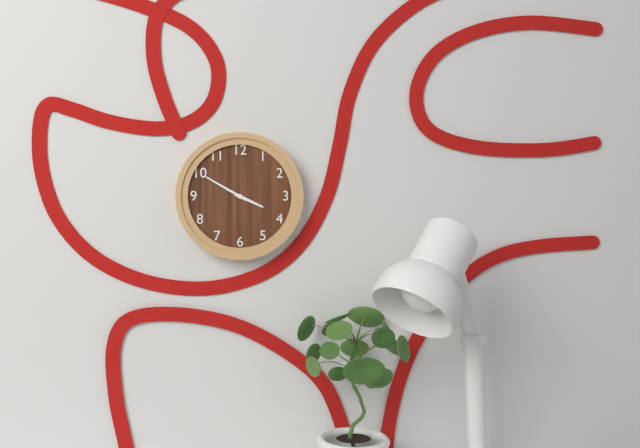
{"hour": 3, "minute": 50}
